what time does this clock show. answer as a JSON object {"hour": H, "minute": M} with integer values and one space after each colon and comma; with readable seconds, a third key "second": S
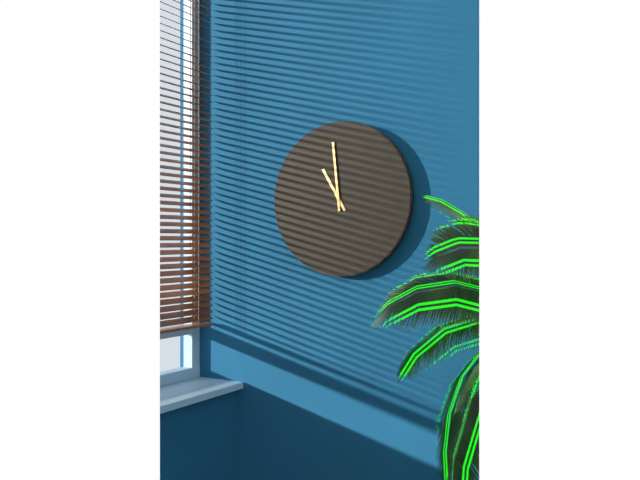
{"hour": 10, "minute": 59}
